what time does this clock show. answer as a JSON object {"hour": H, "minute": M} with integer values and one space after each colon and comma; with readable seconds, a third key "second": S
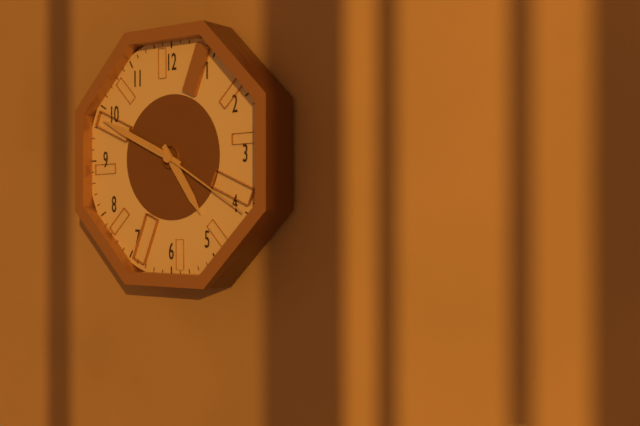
{"hour": 4, "minute": 49, "second": 20}
